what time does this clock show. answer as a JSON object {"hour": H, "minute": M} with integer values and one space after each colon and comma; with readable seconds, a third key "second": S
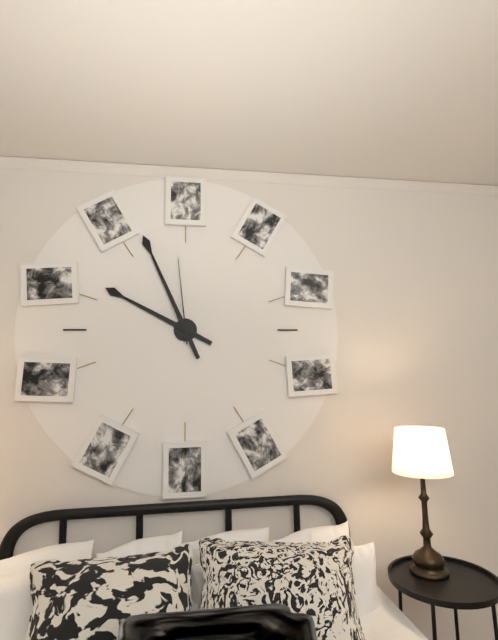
{"hour": 9, "minute": 56, "second": 59}
